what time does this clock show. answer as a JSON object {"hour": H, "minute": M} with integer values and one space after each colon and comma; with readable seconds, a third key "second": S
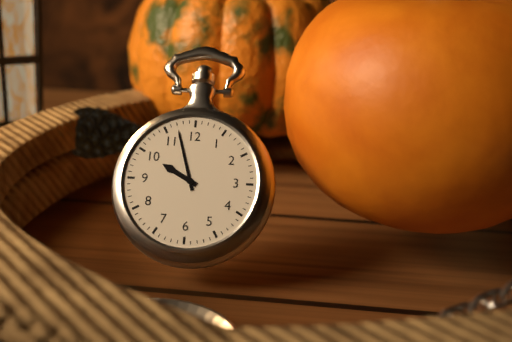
{"hour": 9, "minute": 57}
